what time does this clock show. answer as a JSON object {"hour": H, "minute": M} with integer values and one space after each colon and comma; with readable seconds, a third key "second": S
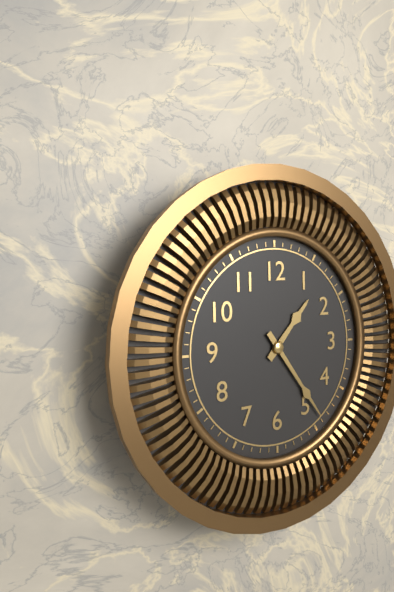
{"hour": 1, "minute": 24}
